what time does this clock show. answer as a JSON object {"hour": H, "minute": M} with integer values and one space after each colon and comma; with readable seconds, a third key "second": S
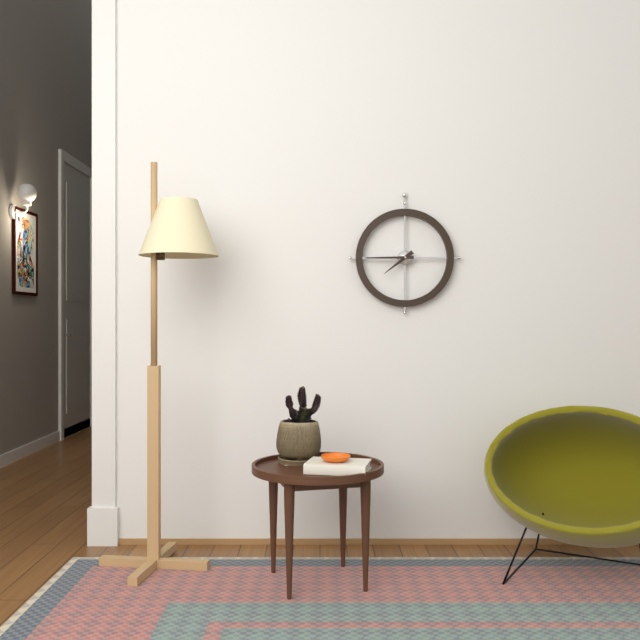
{"hour": 7, "minute": 45}
